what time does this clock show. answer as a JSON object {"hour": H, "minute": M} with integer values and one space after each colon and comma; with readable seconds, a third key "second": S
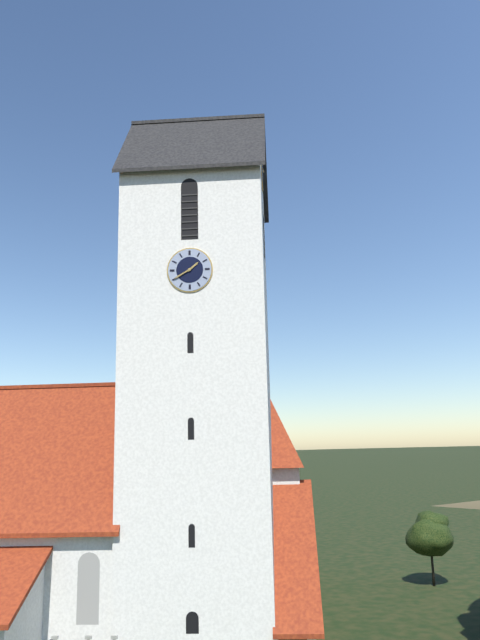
{"hour": 1, "minute": 40}
